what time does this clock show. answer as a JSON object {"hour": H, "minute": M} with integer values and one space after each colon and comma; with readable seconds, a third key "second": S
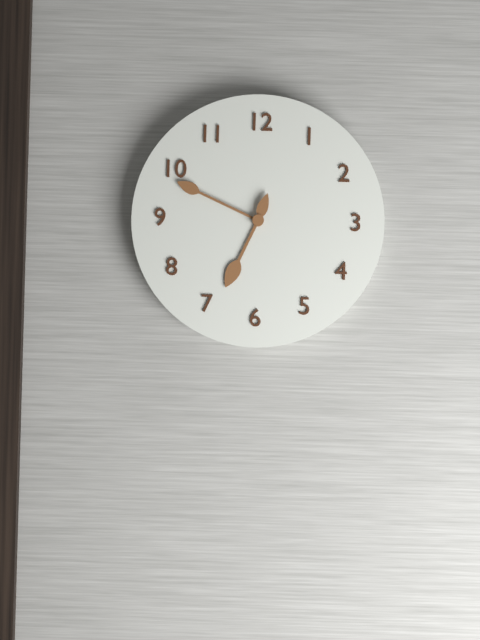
{"hour": 6, "minute": 49}
